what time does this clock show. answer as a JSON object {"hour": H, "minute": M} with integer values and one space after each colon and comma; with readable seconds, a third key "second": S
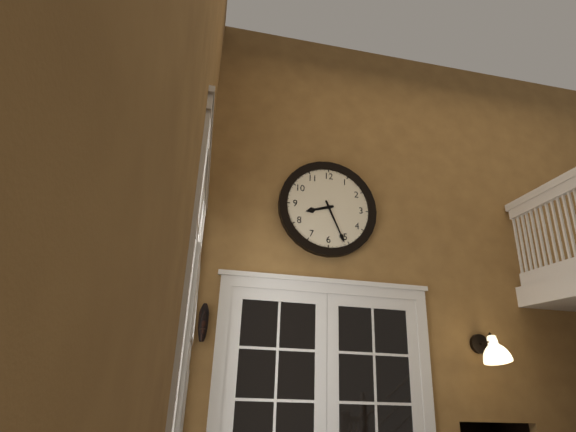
{"hour": 8, "minute": 26}
